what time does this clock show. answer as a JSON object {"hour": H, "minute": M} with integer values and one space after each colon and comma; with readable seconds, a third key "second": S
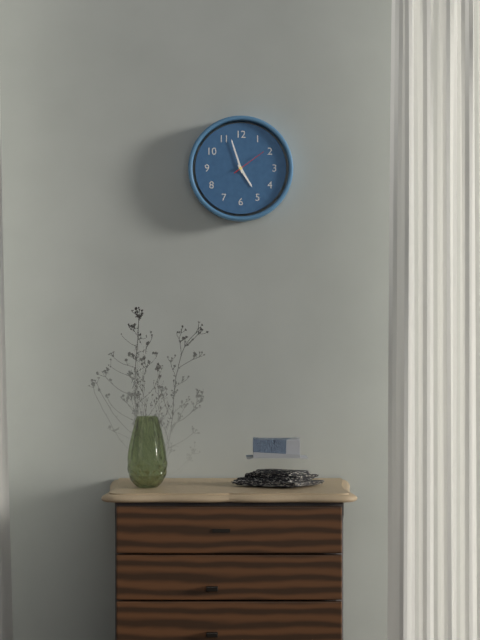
{"hour": 4, "minute": 57}
